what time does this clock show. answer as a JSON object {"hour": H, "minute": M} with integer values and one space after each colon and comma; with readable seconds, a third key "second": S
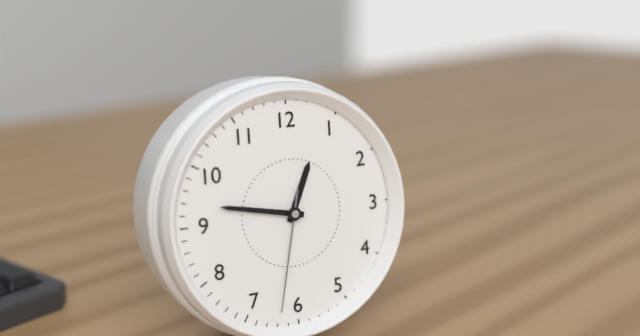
{"hour": 12, "minute": 47, "second": 32}
